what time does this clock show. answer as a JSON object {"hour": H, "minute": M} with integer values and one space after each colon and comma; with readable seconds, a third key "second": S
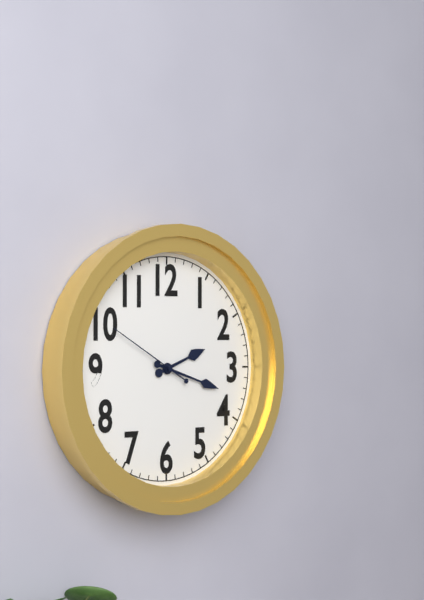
{"hour": 2, "minute": 18, "second": 50}
